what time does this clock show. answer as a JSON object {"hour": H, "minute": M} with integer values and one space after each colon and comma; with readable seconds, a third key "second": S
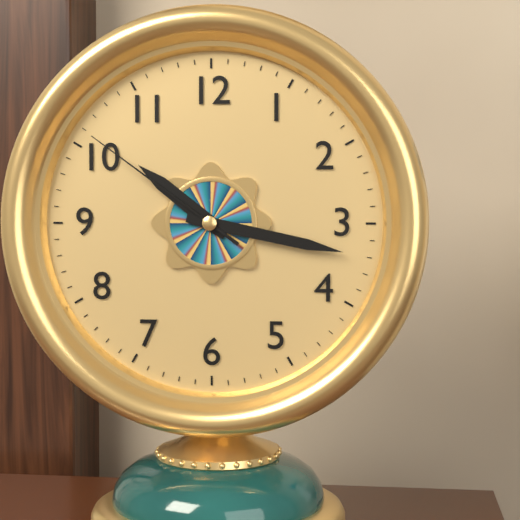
{"hour": 10, "minute": 17, "second": 51}
